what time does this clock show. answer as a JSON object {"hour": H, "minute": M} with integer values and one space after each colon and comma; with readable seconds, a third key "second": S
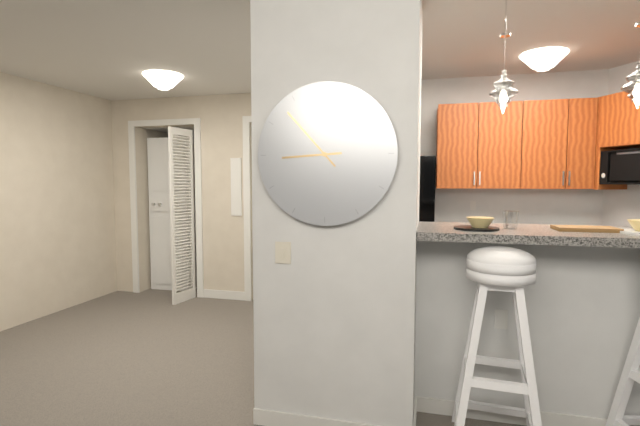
{"hour": 8, "minute": 53}
